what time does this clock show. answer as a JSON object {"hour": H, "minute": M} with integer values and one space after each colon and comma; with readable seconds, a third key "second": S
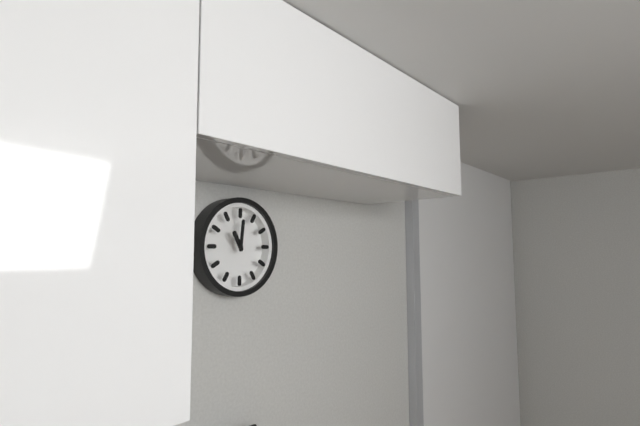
{"hour": 11, "minute": 1}
